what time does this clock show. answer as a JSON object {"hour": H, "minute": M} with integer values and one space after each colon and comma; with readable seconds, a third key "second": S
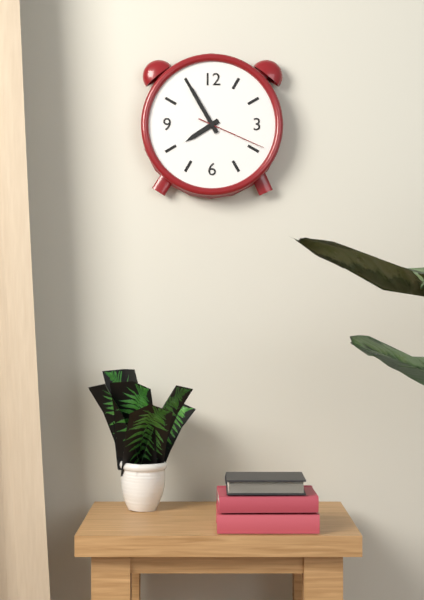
{"hour": 7, "minute": 55, "second": 19}
